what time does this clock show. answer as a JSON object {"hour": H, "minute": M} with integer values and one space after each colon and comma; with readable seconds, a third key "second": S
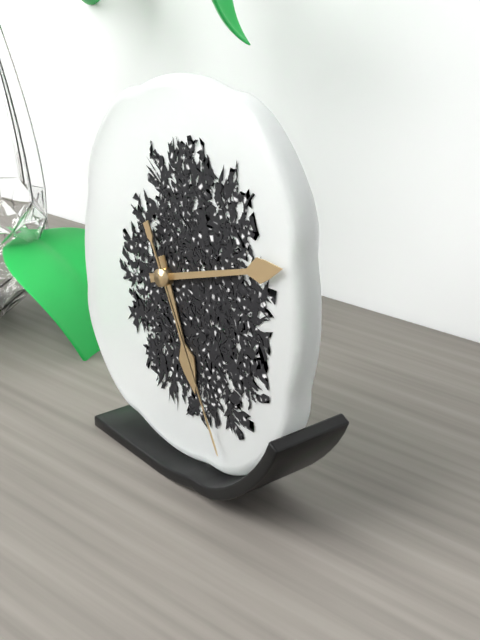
{"hour": 5, "minute": 12, "second": 25}
